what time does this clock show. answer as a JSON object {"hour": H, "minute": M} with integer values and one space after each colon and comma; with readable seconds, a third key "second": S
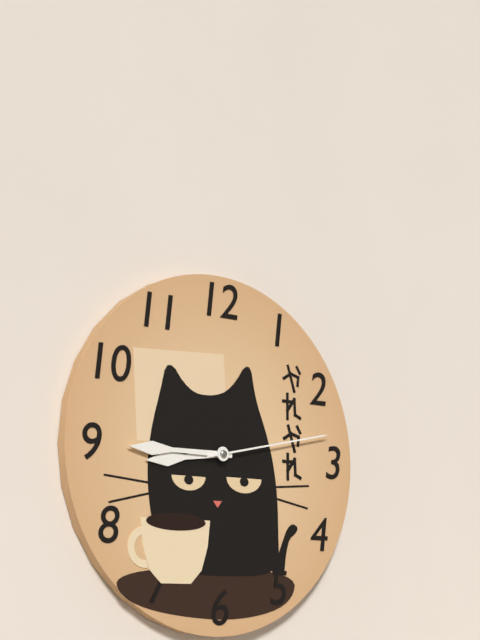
{"hour": 8, "minute": 45, "second": 13}
